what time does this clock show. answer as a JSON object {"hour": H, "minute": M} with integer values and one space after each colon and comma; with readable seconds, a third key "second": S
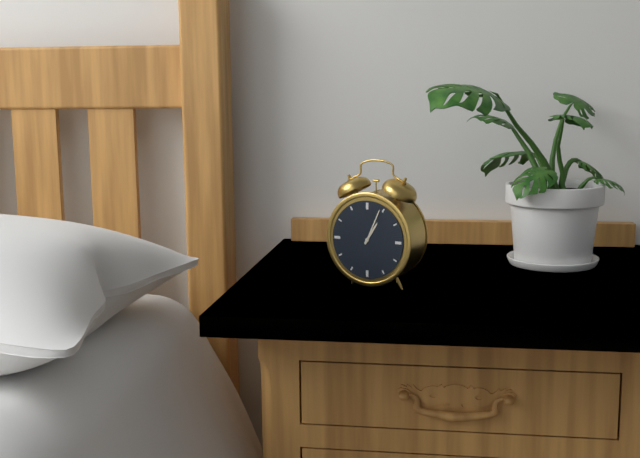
{"hour": 1, "minute": 4}
